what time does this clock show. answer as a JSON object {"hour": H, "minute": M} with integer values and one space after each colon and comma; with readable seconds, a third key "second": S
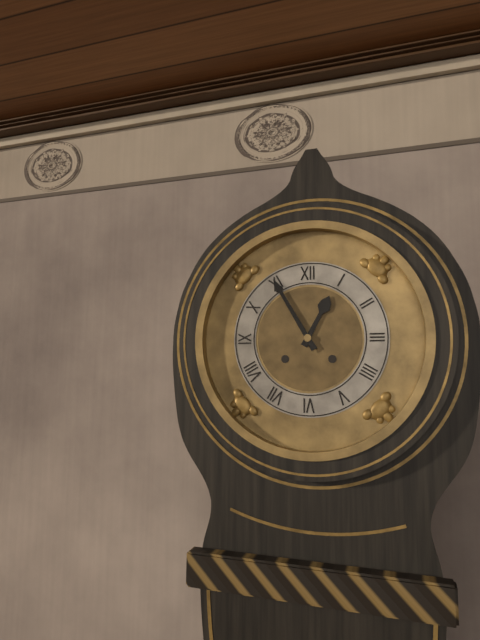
{"hour": 12, "minute": 55}
